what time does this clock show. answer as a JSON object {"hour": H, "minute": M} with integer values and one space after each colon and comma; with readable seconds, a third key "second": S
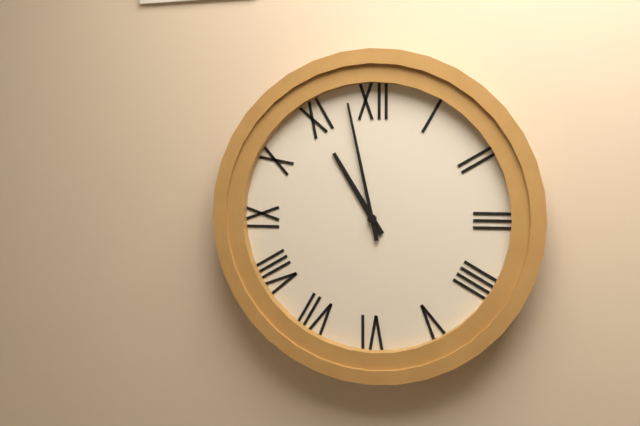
{"hour": 10, "minute": 58}
